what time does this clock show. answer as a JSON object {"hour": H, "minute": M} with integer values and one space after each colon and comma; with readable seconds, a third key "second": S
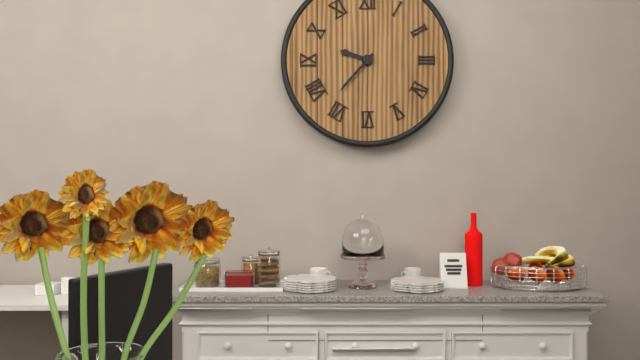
{"hour": 9, "minute": 37}
